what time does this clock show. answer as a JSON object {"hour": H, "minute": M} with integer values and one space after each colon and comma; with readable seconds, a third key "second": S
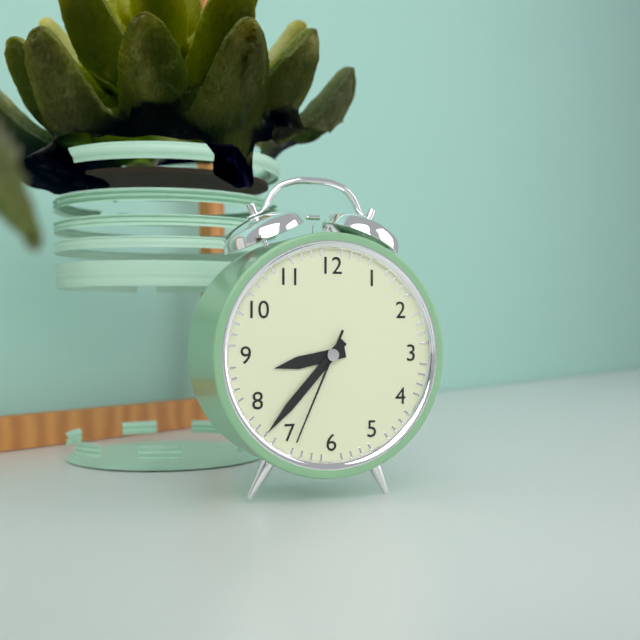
{"hour": 8, "minute": 37, "second": 34}
